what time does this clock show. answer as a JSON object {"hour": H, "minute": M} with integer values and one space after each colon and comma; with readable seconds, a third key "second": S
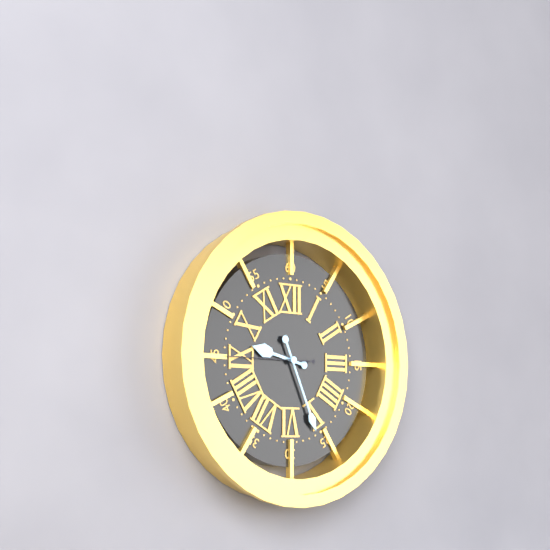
{"hour": 9, "minute": 26, "second": 45}
